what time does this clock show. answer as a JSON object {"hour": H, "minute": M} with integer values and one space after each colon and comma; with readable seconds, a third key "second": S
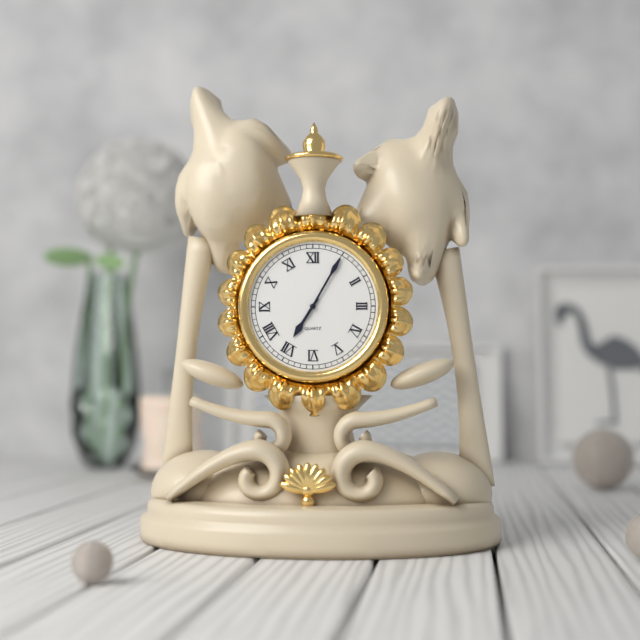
{"hour": 7, "minute": 5}
